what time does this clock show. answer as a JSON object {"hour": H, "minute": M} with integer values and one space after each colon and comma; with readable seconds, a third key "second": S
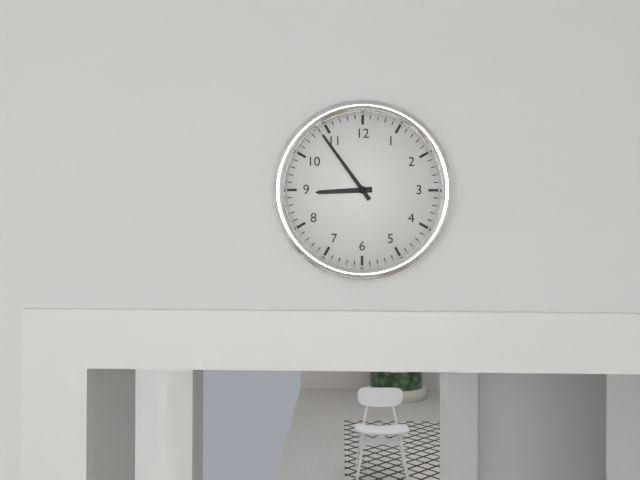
{"hour": 8, "minute": 54}
